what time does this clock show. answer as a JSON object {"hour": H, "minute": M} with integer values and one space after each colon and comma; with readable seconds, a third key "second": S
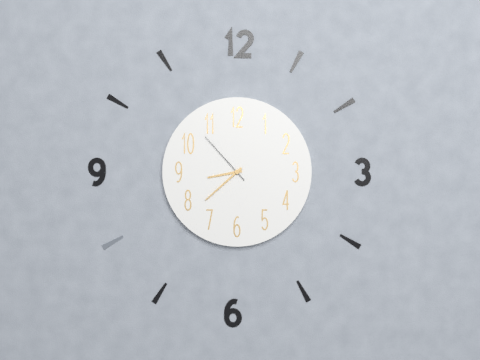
{"hour": 8, "minute": 38, "second": 53}
